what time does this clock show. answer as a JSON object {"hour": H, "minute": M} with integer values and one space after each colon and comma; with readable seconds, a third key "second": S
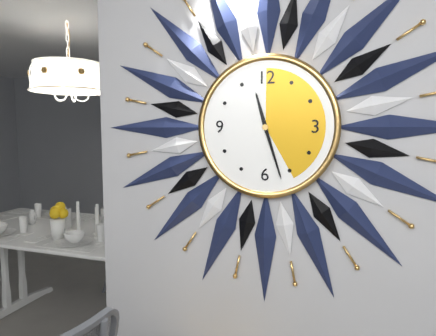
{"hour": 11, "minute": 27}
